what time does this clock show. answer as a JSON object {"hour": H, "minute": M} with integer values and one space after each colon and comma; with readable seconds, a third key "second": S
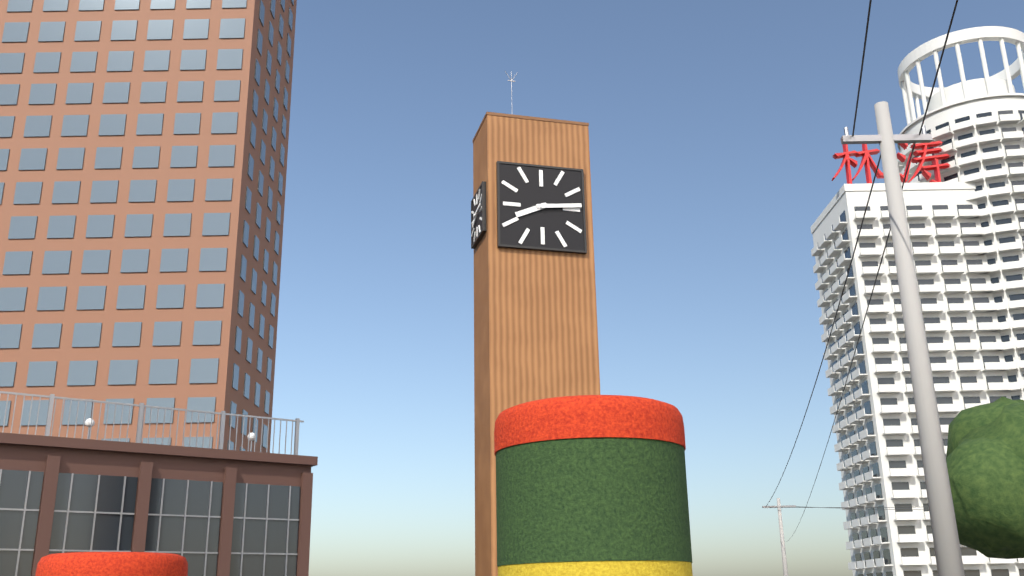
{"hour": 8, "minute": 14}
